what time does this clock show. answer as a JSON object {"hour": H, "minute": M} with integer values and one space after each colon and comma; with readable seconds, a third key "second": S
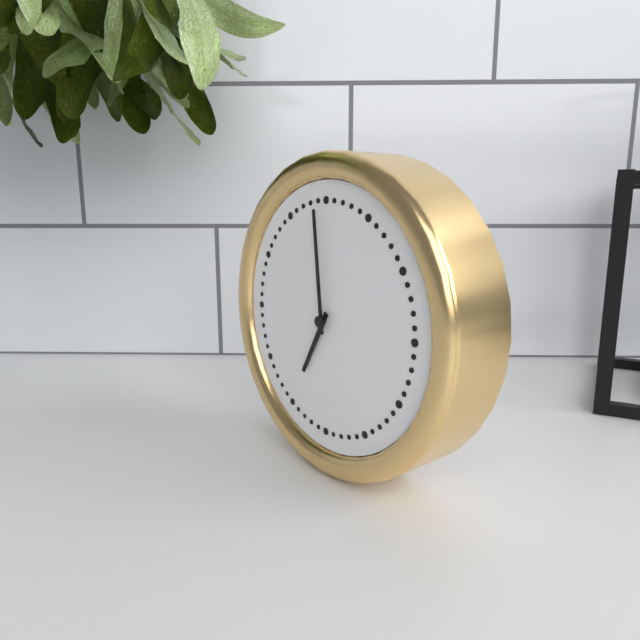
{"hour": 6, "minute": 59}
